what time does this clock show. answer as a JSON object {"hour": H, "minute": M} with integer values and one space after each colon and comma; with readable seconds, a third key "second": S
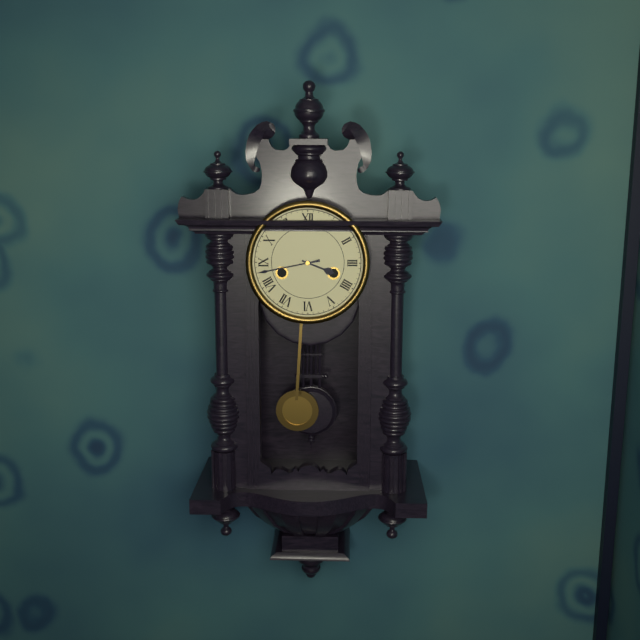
{"hour": 3, "minute": 43}
